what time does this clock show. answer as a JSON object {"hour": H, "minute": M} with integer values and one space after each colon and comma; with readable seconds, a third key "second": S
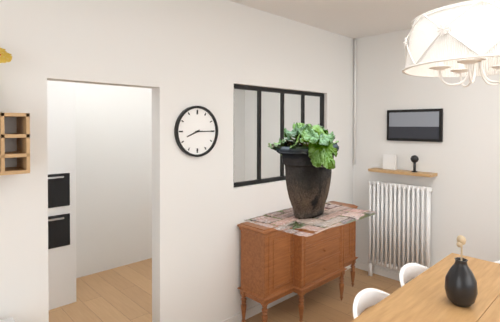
{"hour": 8, "minute": 15}
